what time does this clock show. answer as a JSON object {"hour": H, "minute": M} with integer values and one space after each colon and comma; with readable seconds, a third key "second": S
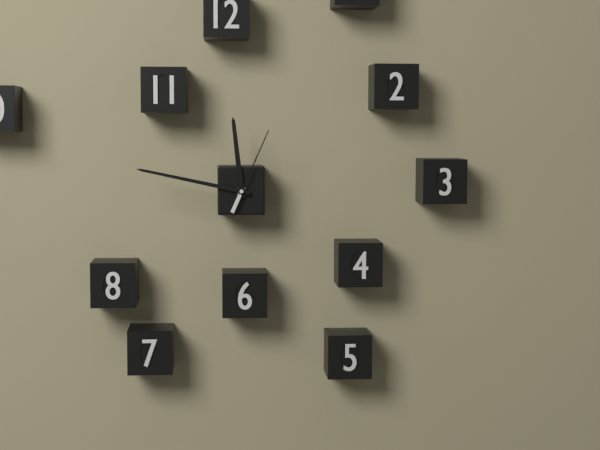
{"hour": 11, "minute": 47, "second": 4}
